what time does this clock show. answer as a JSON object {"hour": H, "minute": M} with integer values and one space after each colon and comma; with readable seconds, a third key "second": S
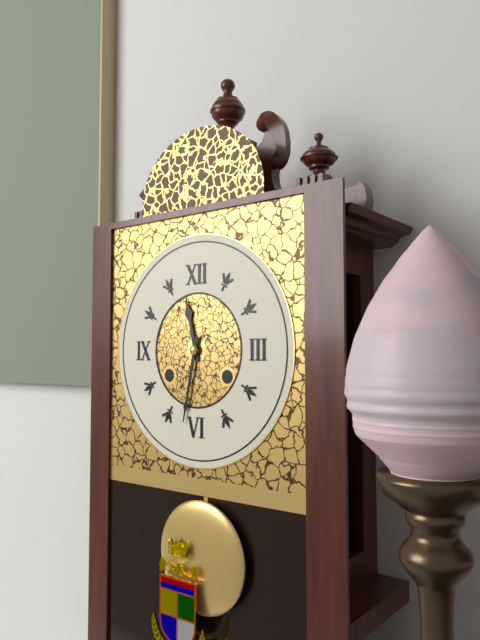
{"hour": 11, "minute": 32}
